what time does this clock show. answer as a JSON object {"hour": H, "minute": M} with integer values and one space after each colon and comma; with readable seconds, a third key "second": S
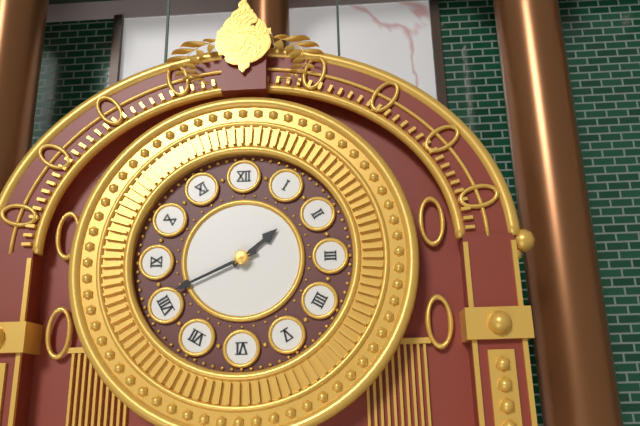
{"hour": 1, "minute": 41}
